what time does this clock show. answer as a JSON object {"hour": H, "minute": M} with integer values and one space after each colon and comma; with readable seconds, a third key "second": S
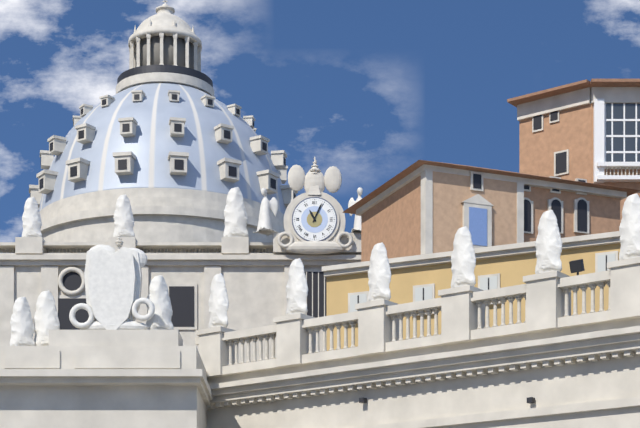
{"hour": 11, "minute": 4}
